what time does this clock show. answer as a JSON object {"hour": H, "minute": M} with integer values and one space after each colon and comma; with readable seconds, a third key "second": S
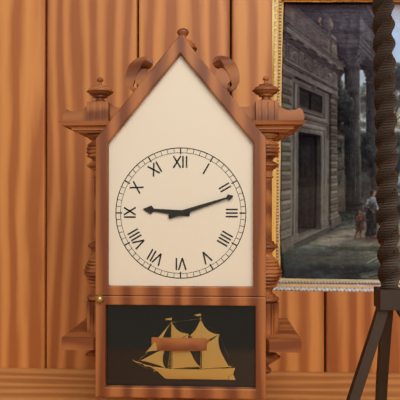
{"hour": 9, "minute": 12}
